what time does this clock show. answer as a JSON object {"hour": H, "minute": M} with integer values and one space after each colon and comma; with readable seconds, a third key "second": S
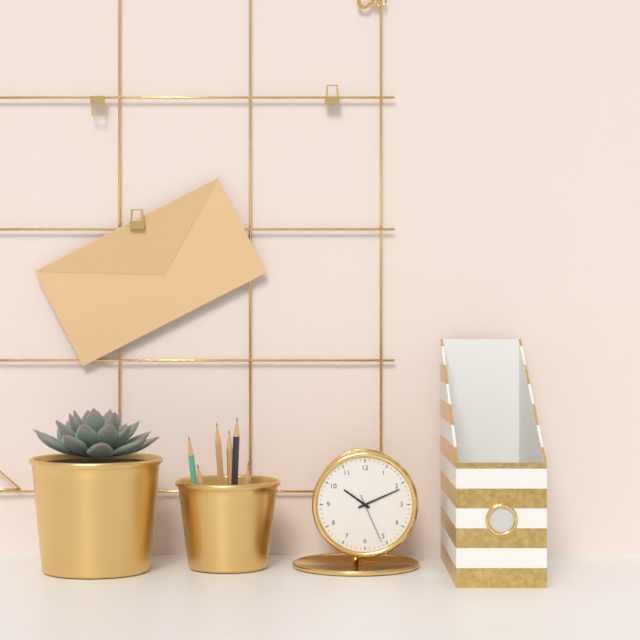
{"hour": 10, "minute": 11, "second": 26}
